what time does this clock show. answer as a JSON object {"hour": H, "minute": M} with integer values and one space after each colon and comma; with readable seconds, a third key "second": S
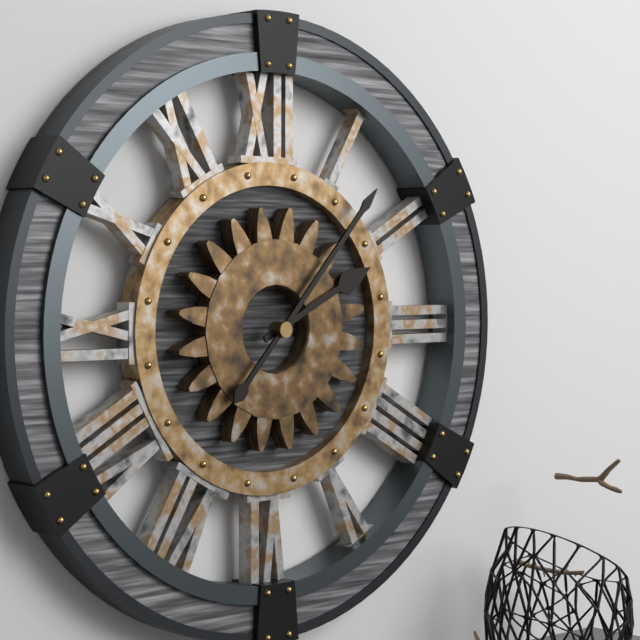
{"hour": 2, "minute": 7}
